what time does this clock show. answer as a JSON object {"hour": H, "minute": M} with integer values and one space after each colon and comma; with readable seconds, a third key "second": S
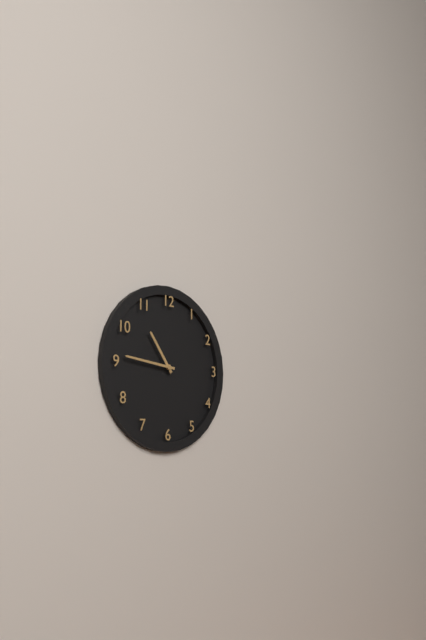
{"hour": 10, "minute": 46}
